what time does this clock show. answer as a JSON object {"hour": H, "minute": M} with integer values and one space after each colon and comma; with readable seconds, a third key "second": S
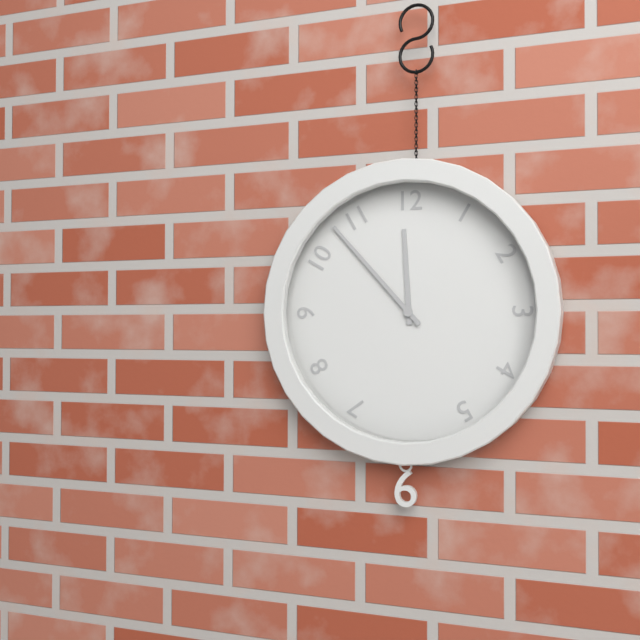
{"hour": 11, "minute": 53}
